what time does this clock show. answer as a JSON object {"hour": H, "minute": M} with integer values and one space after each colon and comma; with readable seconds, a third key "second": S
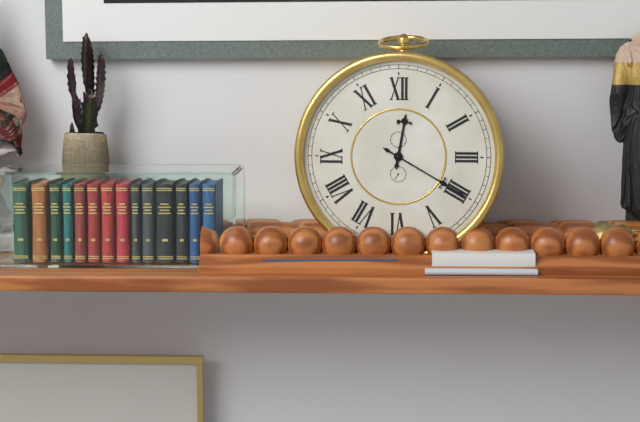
{"hour": 12, "minute": 20}
